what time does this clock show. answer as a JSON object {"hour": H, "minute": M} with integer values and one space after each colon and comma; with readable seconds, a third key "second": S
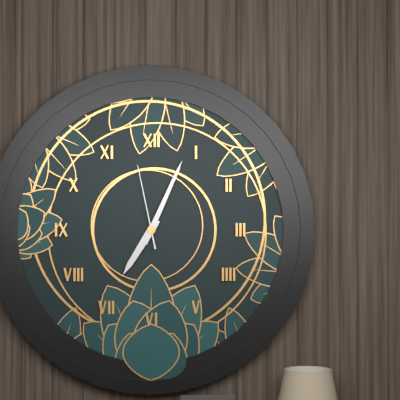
{"hour": 7, "minute": 4, "second": 58}
